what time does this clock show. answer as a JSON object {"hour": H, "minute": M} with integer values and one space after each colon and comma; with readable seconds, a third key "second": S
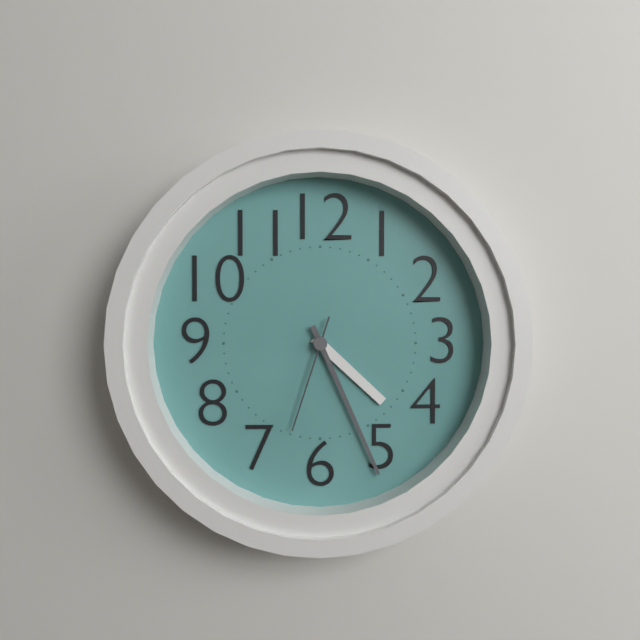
{"hour": 4, "minute": 26, "second": 33}
